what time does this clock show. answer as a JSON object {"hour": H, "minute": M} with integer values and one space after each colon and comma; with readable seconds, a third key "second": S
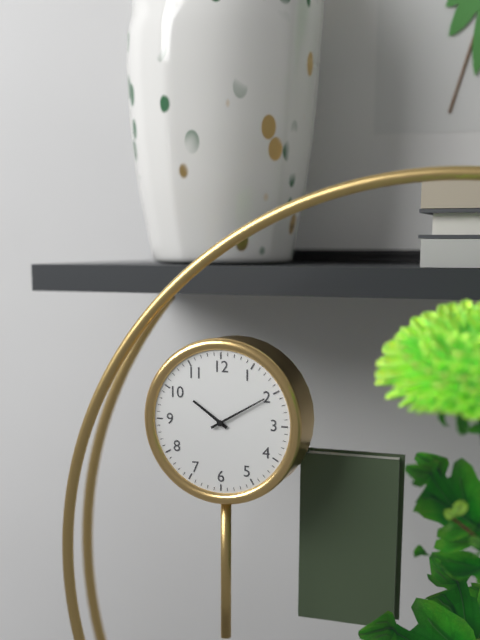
{"hour": 10, "minute": 10}
